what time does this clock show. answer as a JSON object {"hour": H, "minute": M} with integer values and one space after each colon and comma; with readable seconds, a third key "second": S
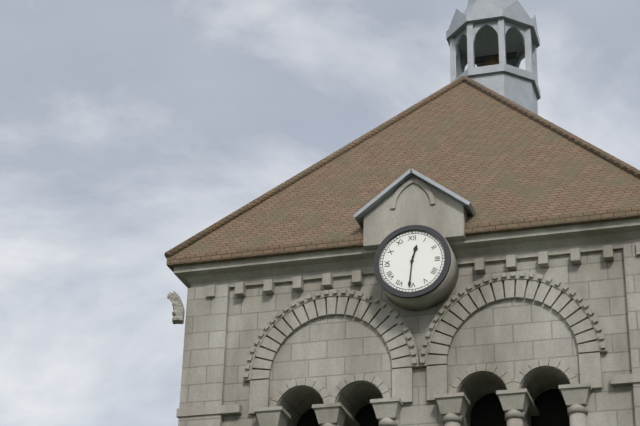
{"hour": 12, "minute": 31}
